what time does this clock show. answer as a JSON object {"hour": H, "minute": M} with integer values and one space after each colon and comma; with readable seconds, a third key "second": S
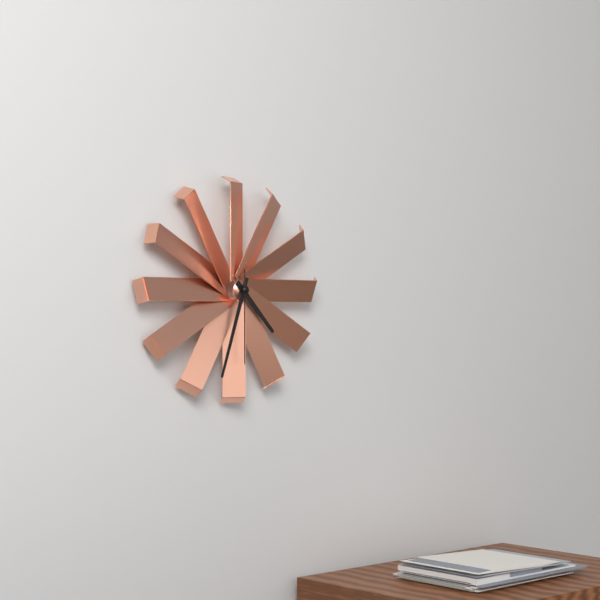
{"hour": 4, "minute": 33, "second": 30}
